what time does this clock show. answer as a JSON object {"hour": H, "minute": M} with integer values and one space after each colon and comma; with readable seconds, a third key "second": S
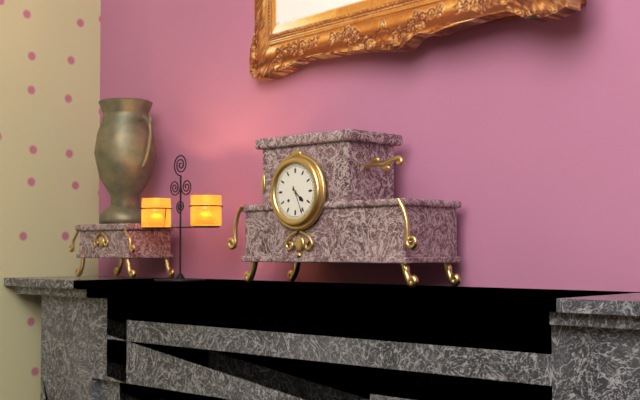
{"hour": 4, "minute": 26}
